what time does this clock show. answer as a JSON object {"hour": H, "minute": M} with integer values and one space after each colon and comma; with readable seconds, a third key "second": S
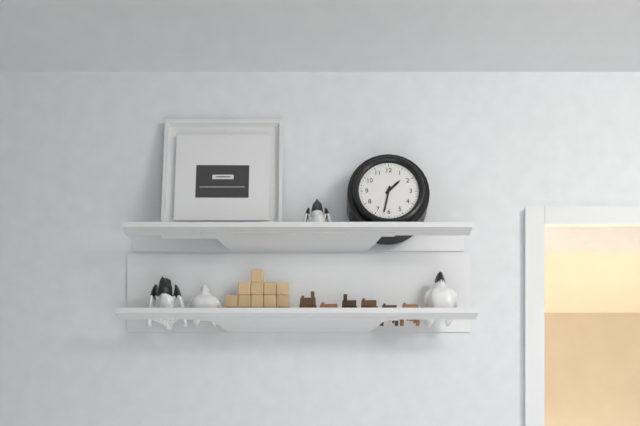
{"hour": 1, "minute": 32}
